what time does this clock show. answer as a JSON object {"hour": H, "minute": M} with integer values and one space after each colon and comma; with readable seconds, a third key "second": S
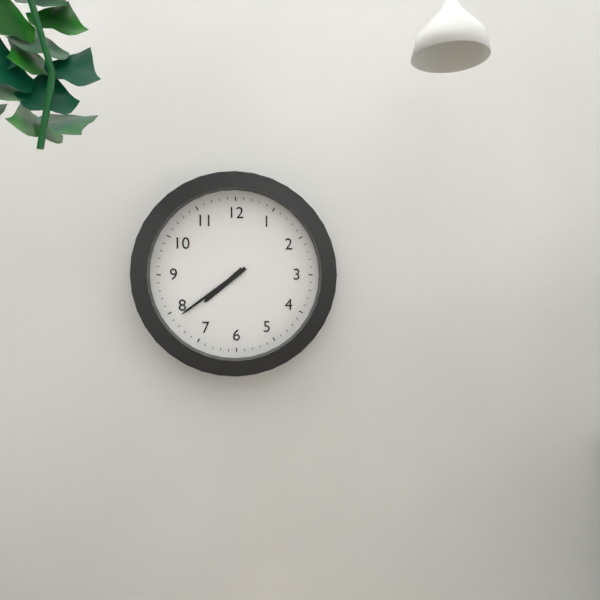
{"hour": 7, "minute": 39}
